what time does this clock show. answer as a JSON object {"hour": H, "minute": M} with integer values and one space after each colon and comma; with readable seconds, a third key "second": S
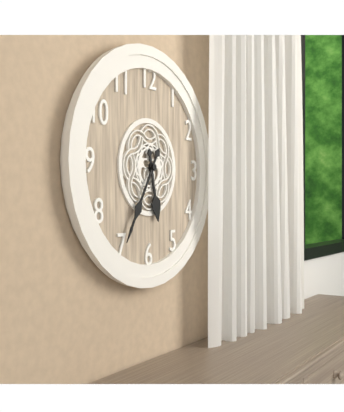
{"hour": 5, "minute": 35}
